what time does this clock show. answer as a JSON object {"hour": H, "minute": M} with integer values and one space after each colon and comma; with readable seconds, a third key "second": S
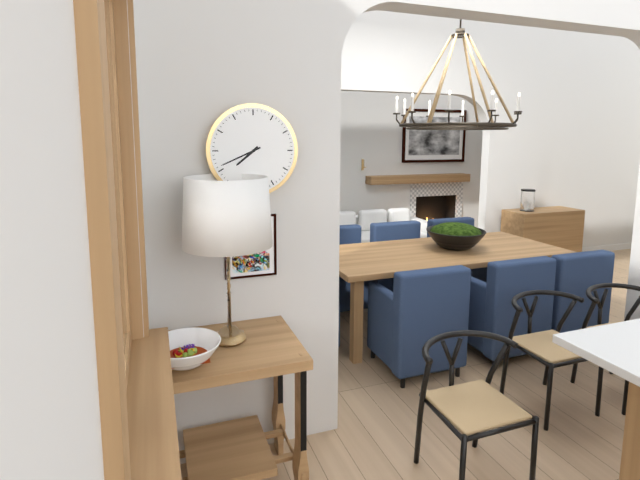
{"hour": 7, "minute": 41}
